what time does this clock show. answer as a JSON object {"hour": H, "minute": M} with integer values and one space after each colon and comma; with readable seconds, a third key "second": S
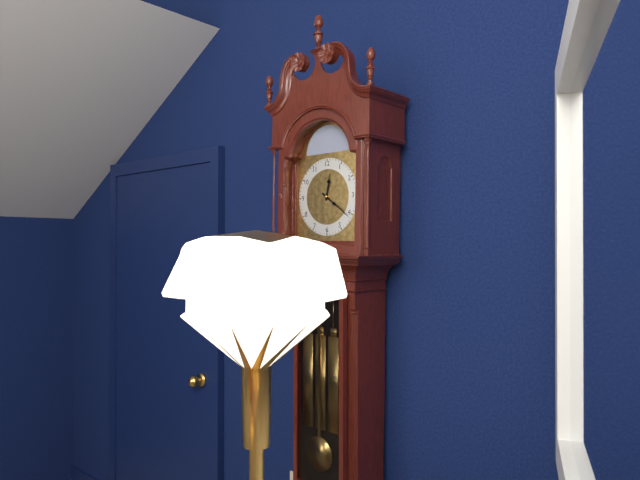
{"hour": 12, "minute": 21}
